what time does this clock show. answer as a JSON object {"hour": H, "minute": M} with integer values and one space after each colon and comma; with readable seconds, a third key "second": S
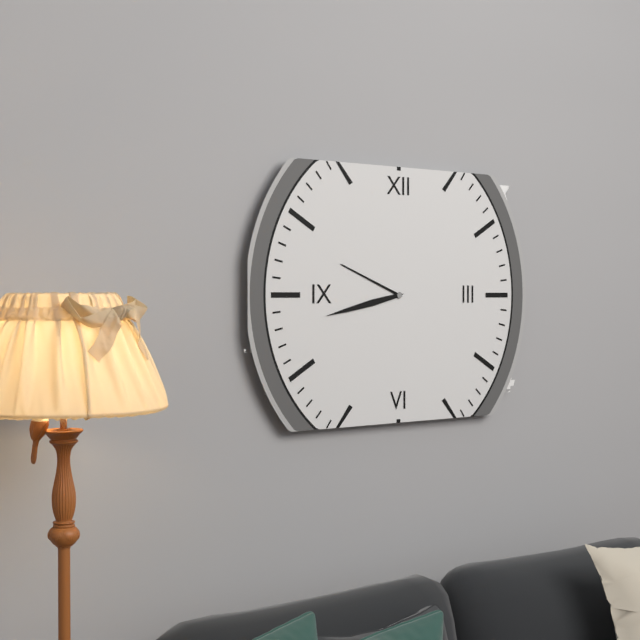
{"hour": 9, "minute": 43}
